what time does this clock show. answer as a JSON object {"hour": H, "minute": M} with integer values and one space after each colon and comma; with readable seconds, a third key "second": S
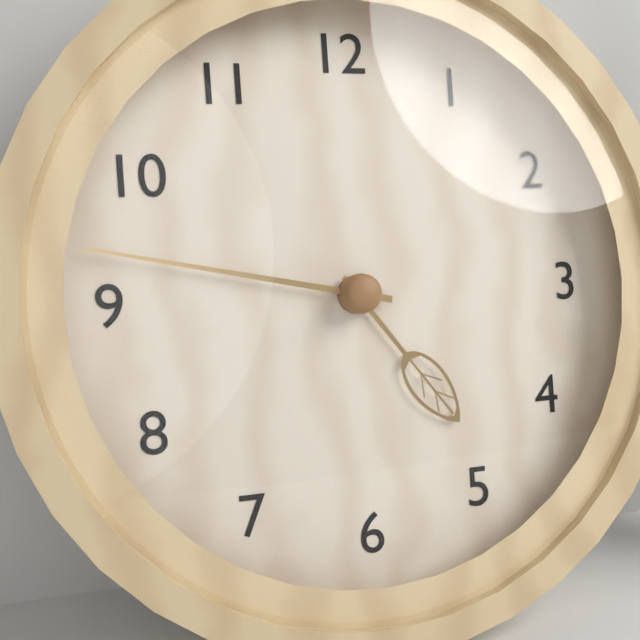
{"hour": 4, "minute": 47}
